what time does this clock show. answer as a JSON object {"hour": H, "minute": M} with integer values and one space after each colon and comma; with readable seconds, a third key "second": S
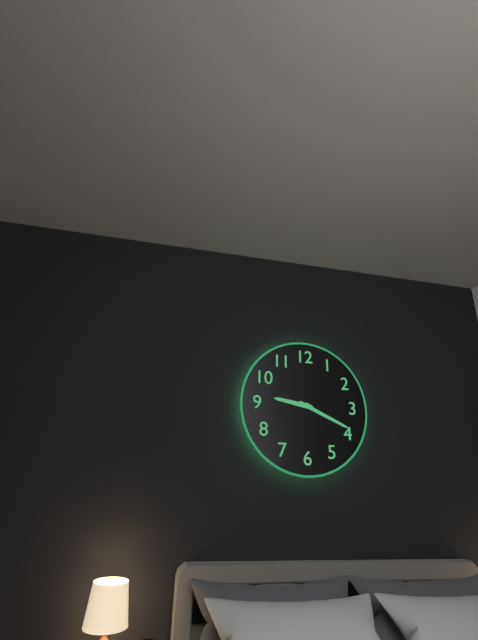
{"hour": 9, "minute": 19}
